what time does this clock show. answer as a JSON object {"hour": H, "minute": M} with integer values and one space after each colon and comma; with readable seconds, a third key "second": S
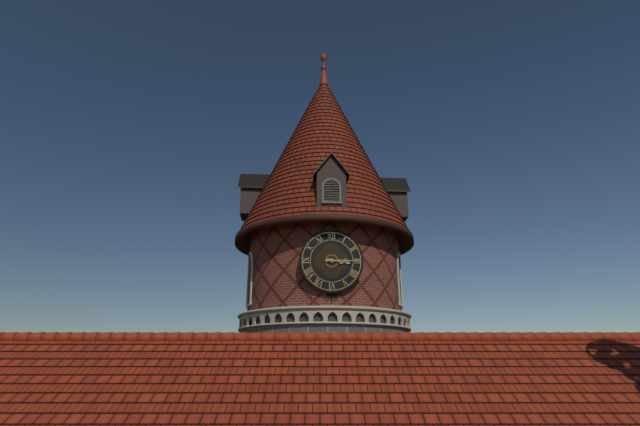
{"hour": 3, "minute": 15}
